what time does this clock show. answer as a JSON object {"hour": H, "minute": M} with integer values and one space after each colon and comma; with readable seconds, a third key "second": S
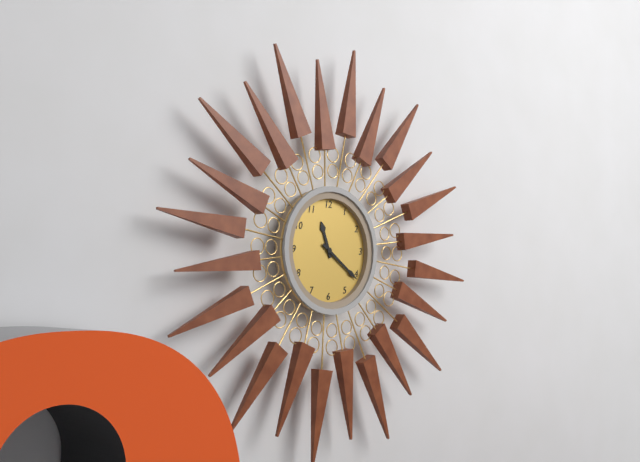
{"hour": 11, "minute": 21}
